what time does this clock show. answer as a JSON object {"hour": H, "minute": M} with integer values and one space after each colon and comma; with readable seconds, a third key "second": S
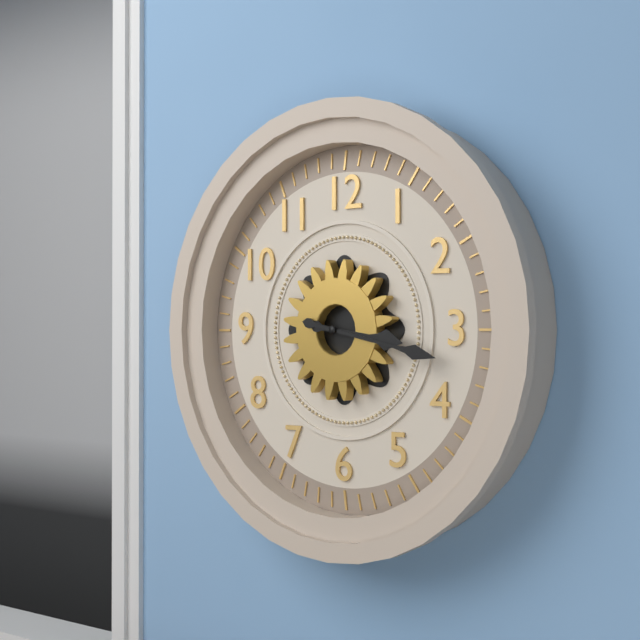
{"hour": 3, "minute": 17}
